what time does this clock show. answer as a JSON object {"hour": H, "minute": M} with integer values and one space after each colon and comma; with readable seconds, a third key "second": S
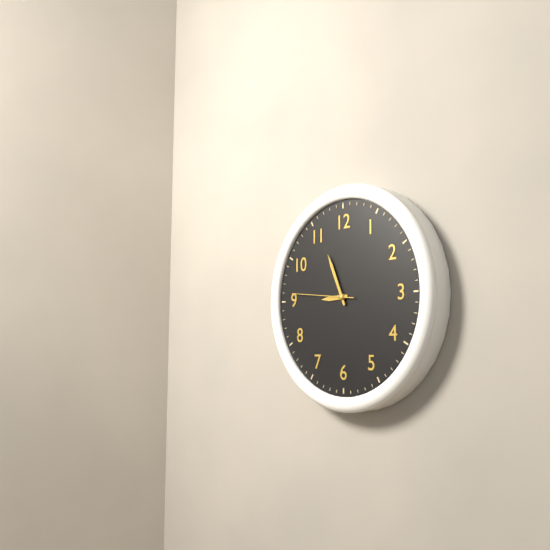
{"hour": 8, "minute": 56, "second": 46}
